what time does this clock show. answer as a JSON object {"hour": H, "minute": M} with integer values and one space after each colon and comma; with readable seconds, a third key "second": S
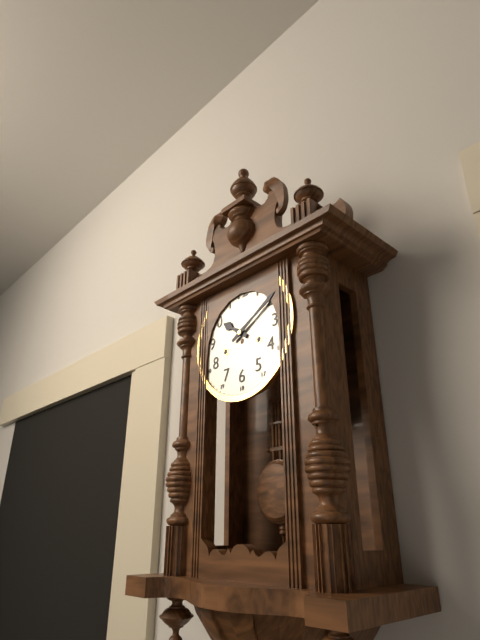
{"hour": 10, "minute": 10}
